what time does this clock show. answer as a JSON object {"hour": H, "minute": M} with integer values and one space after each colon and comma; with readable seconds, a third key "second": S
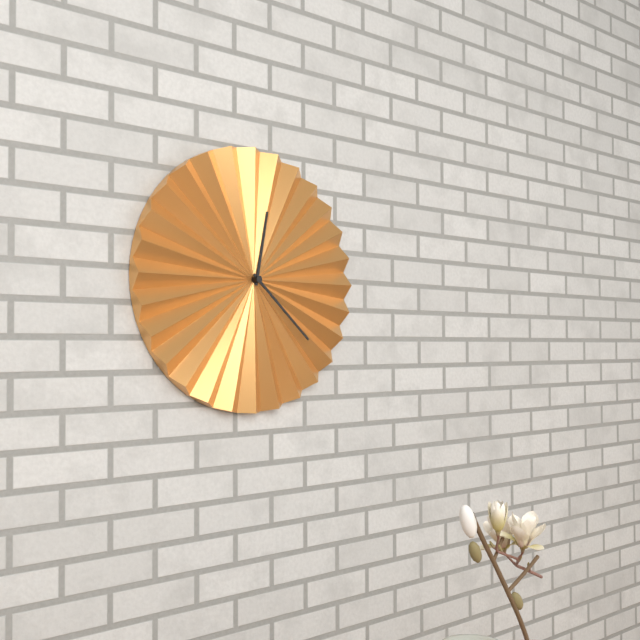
{"hour": 12, "minute": 22}
